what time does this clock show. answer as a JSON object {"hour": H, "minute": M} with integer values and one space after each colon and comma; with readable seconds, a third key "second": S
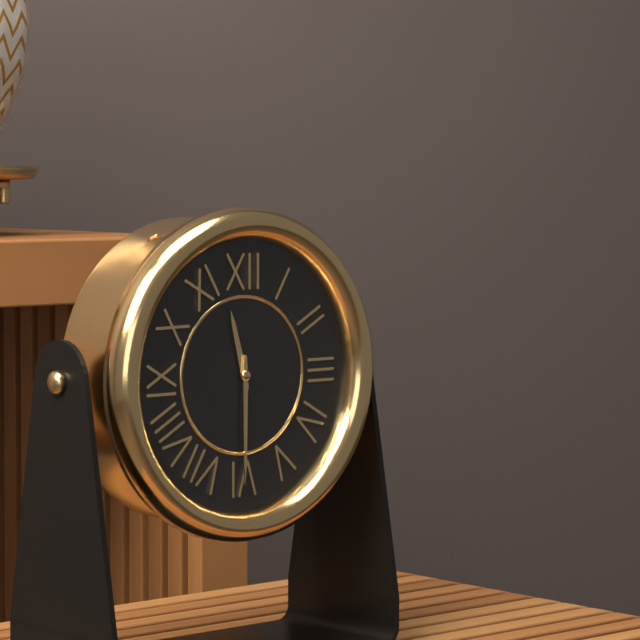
{"hour": 11, "minute": 30}
